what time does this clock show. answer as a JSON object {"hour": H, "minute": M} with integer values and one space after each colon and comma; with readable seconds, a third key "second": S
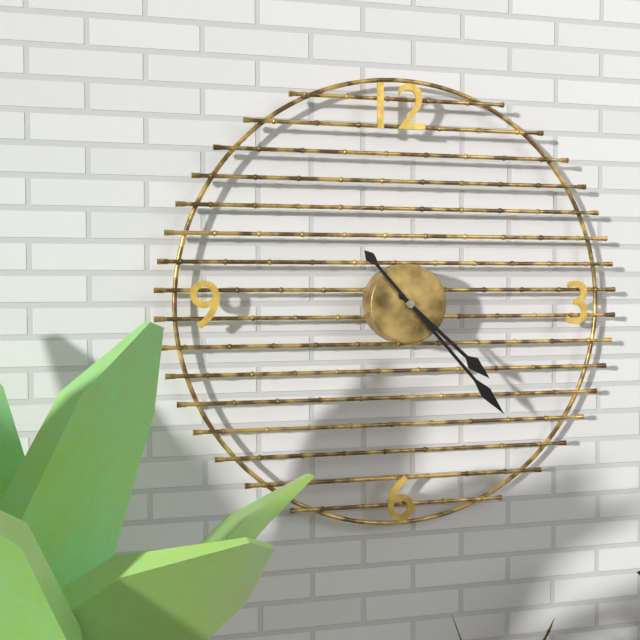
{"hour": 4, "minute": 23}
